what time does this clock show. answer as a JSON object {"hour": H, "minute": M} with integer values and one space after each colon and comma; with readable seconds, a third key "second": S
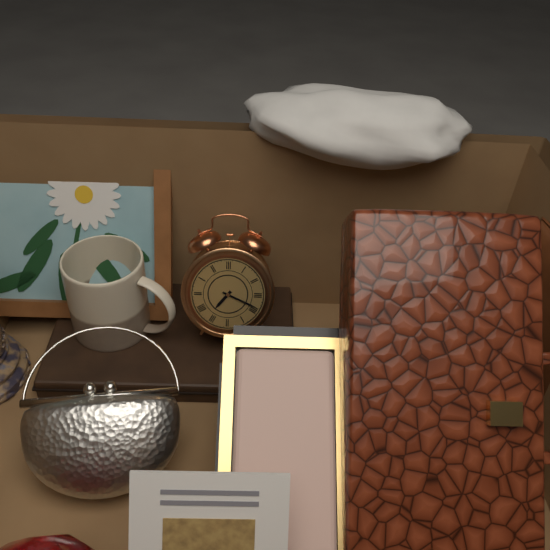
{"hour": 7, "minute": 19}
